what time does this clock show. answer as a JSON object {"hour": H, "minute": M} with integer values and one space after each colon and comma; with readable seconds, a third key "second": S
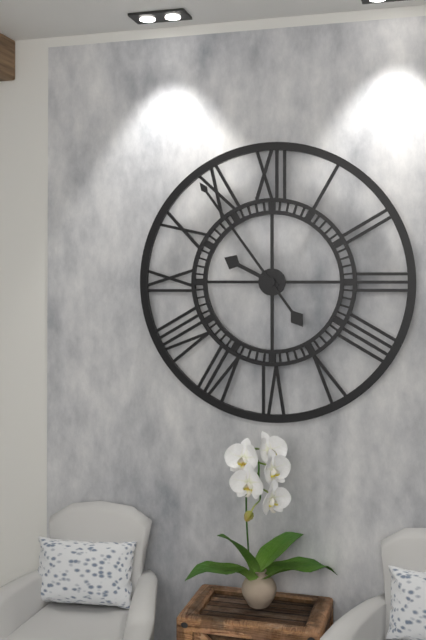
{"hour": 9, "minute": 54}
